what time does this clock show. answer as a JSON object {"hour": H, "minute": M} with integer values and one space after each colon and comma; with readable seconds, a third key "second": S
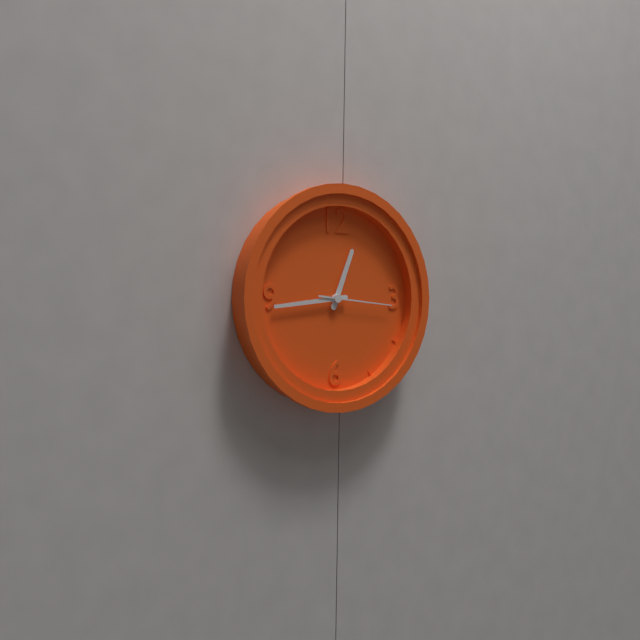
{"hour": 12, "minute": 44, "second": 16}
